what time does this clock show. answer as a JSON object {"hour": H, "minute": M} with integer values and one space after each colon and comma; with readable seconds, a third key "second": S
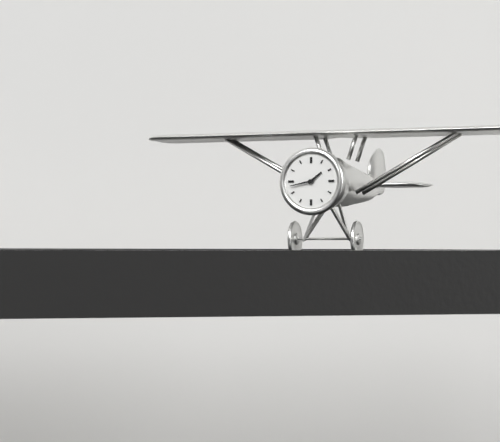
{"hour": 1, "minute": 43}
